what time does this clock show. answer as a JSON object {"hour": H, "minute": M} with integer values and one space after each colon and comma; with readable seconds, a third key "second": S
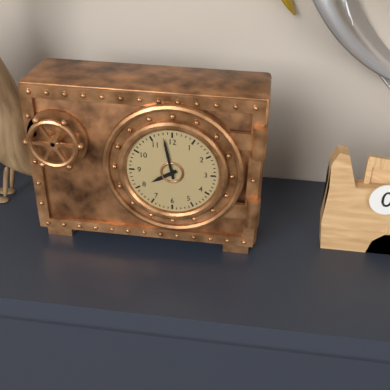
{"hour": 7, "minute": 58}
